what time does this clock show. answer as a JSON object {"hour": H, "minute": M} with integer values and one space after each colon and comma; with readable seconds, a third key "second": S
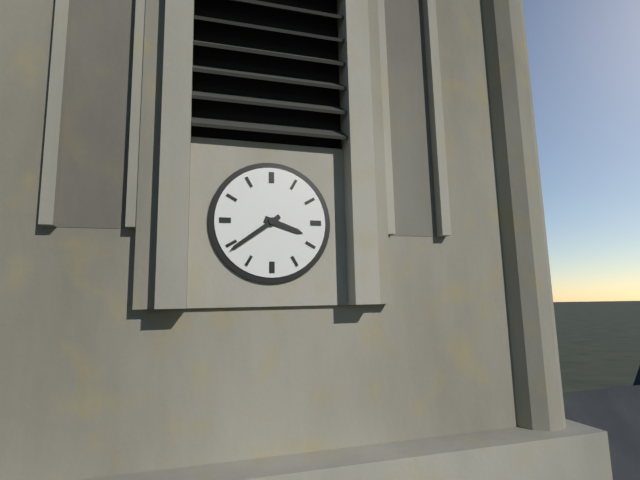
{"hour": 3, "minute": 39}
